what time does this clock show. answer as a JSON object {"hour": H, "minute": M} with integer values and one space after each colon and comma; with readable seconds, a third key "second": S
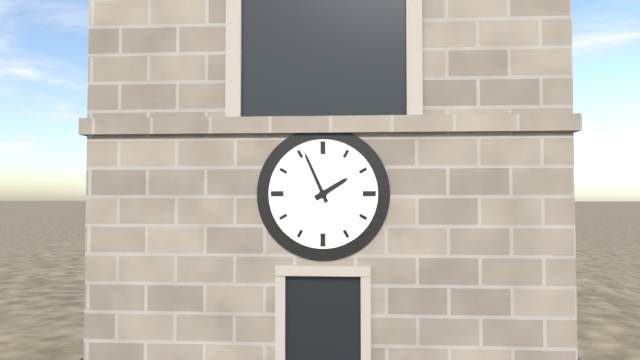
{"hour": 1, "minute": 56}
